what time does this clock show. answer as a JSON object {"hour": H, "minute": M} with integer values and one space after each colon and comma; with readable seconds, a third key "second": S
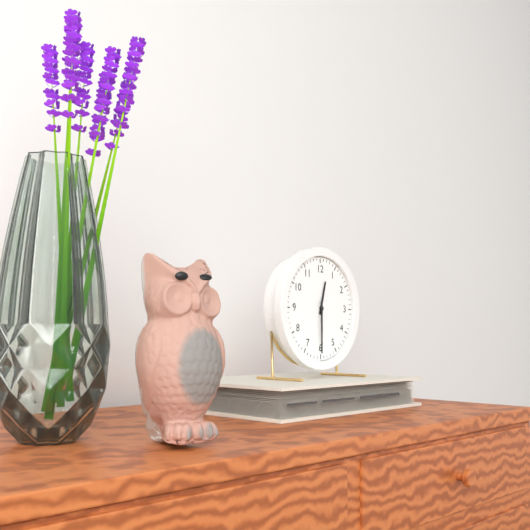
{"hour": 12, "minute": 30}
